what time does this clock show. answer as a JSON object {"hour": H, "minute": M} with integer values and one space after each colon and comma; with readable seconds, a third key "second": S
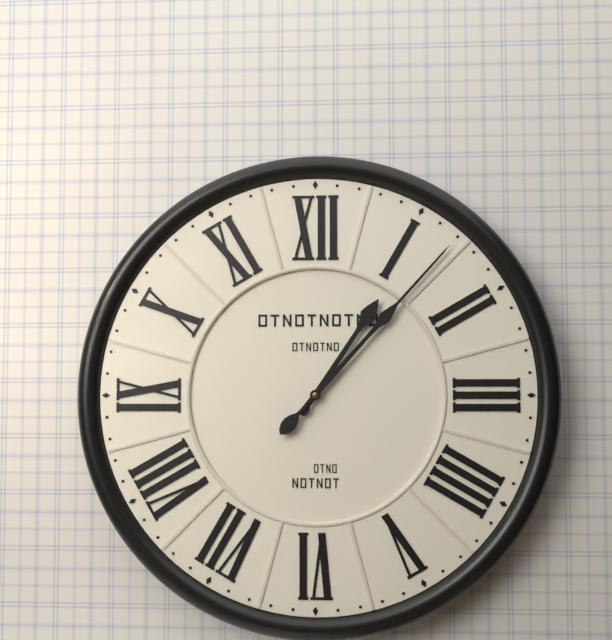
{"hour": 1, "minute": 7}
